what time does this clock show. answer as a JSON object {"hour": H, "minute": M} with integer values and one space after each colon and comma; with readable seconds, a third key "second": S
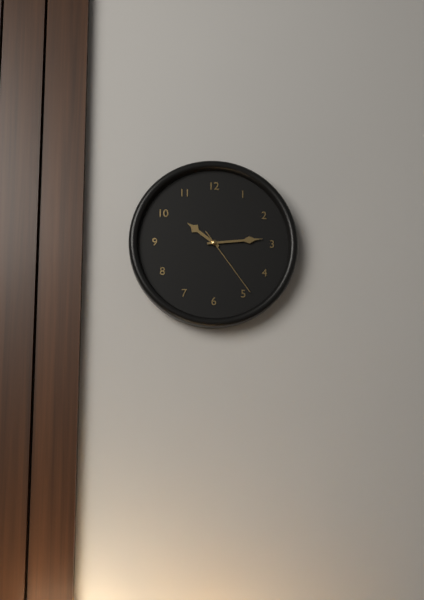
{"hour": 10, "minute": 14, "second": 24}
